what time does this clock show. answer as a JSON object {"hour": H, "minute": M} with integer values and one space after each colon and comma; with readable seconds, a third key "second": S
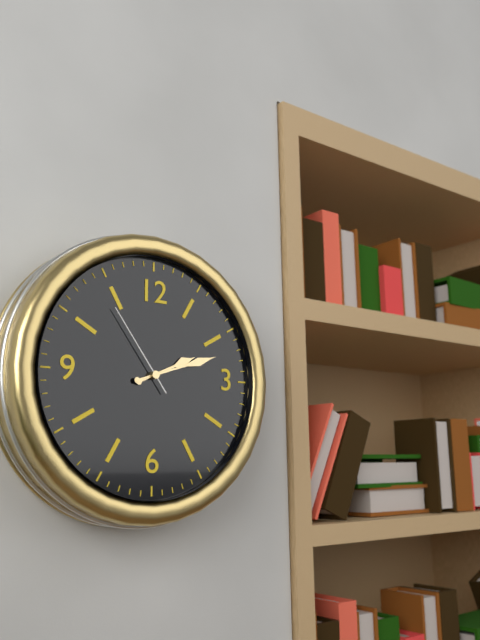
{"hour": 2, "minute": 12, "second": 54}
